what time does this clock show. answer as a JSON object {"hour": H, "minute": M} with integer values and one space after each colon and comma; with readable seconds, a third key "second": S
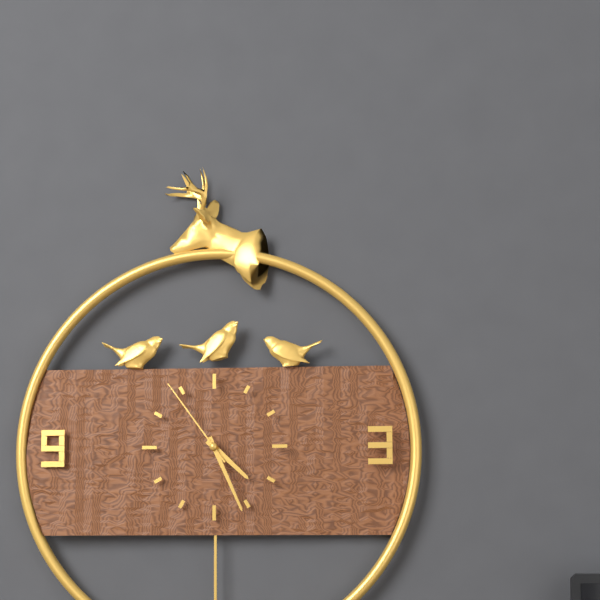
{"hour": 4, "minute": 26, "second": 54}
